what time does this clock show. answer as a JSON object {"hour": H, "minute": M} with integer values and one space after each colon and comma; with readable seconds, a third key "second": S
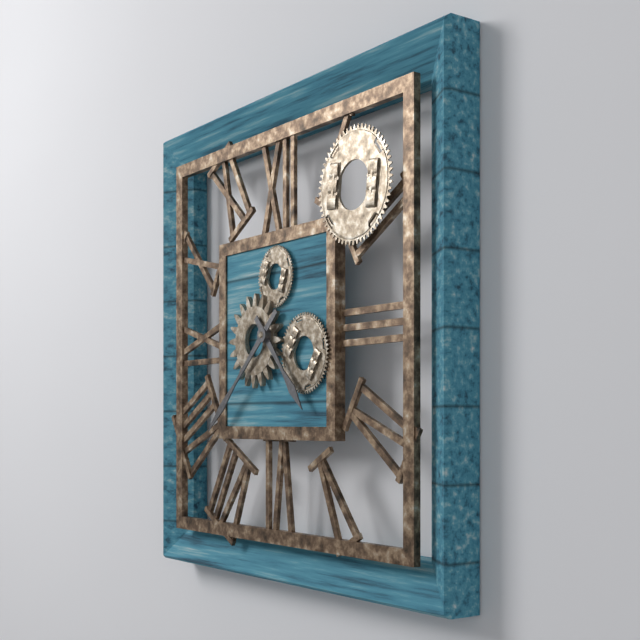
{"hour": 4, "minute": 38}
